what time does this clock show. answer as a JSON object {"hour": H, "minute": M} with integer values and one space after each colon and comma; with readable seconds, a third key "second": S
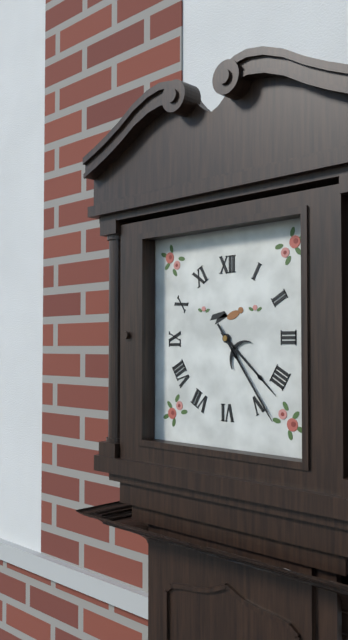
{"hour": 4, "minute": 24}
